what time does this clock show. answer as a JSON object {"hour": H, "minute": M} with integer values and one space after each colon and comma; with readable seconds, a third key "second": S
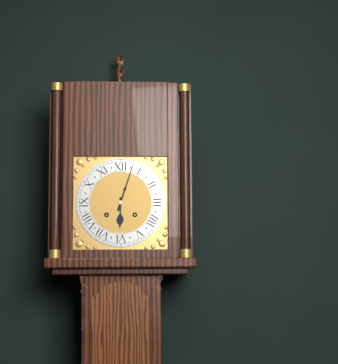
{"hour": 6, "minute": 3}
